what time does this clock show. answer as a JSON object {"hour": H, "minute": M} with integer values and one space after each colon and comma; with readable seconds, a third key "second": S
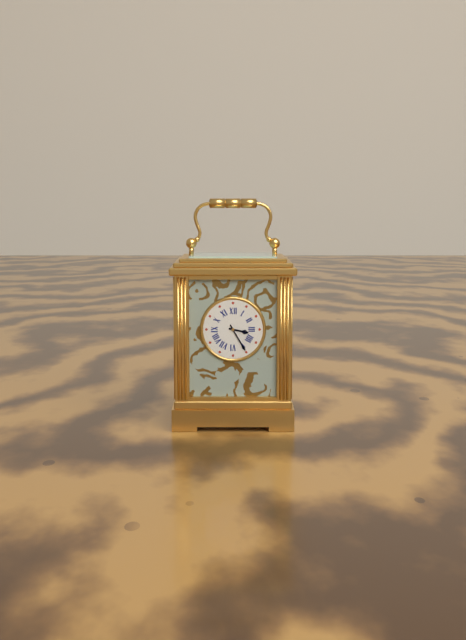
{"hour": 3, "minute": 25}
